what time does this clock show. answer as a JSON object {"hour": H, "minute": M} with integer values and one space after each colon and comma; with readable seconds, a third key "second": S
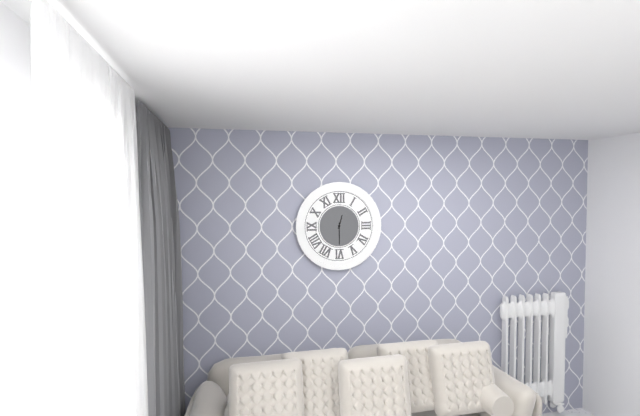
{"hour": 12, "minute": 30}
